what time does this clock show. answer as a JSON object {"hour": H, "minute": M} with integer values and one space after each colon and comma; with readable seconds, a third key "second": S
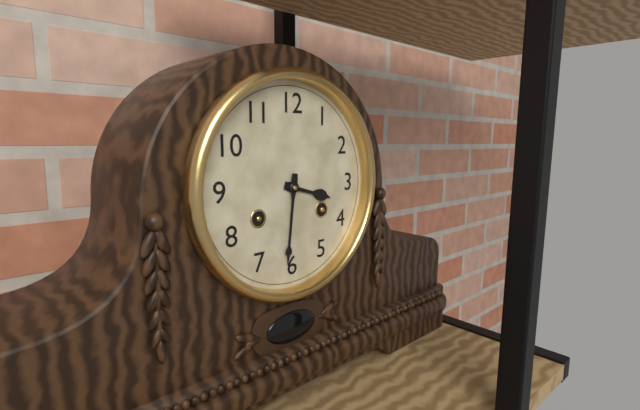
{"hour": 3, "minute": 31}
